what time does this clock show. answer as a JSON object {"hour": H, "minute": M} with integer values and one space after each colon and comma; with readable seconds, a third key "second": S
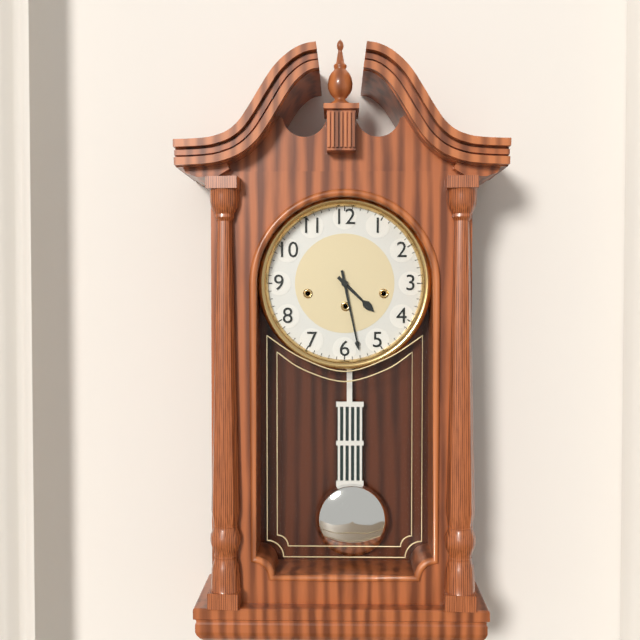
{"hour": 4, "minute": 28}
